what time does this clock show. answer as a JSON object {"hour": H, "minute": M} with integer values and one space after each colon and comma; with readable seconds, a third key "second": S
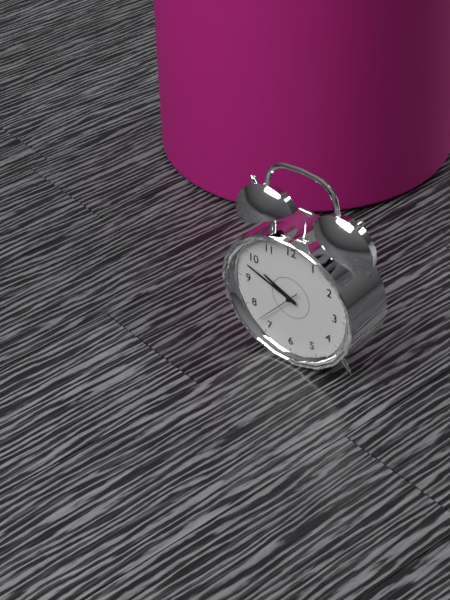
{"hour": 9, "minute": 48}
